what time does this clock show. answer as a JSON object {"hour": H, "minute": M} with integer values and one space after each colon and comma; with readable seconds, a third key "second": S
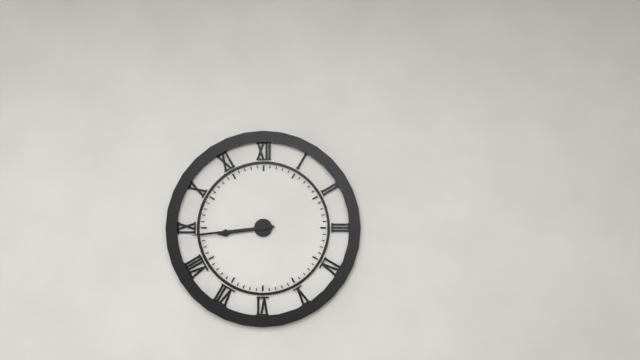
{"hour": 8, "minute": 44}
